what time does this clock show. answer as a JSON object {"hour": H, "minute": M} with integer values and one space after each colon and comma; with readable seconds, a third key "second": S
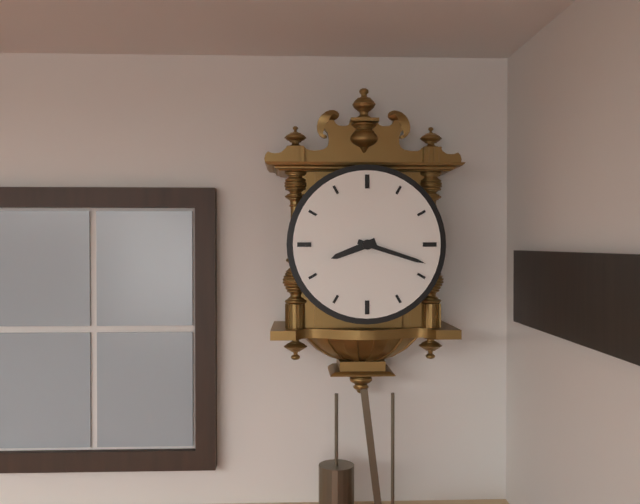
{"hour": 8, "minute": 18}
